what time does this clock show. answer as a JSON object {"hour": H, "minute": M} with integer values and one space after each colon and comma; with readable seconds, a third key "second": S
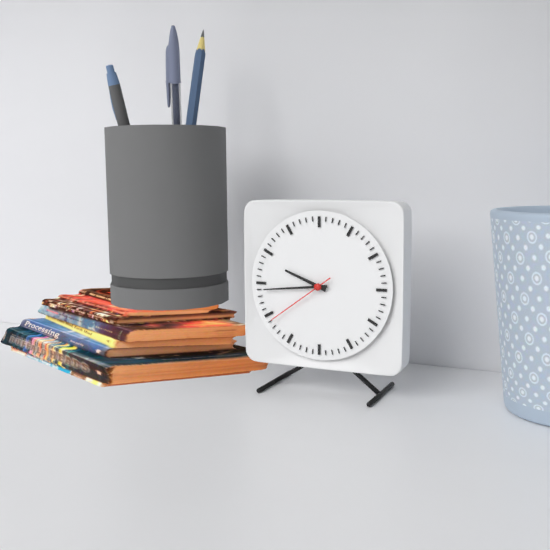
{"hour": 9, "minute": 44, "second": 39}
